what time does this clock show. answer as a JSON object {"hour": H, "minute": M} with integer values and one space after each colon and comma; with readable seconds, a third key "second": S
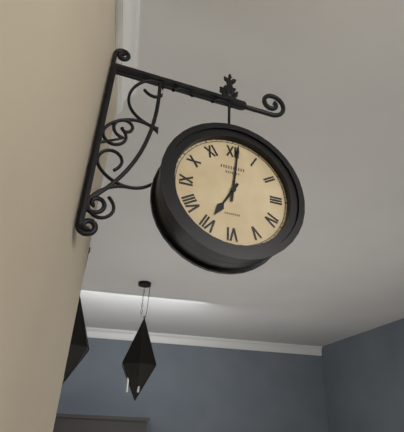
{"hour": 7, "minute": 1}
